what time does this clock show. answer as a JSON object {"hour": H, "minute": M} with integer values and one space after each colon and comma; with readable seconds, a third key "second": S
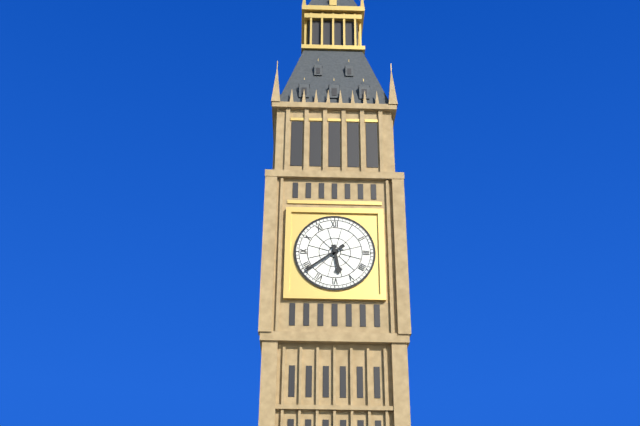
{"hour": 5, "minute": 39}
